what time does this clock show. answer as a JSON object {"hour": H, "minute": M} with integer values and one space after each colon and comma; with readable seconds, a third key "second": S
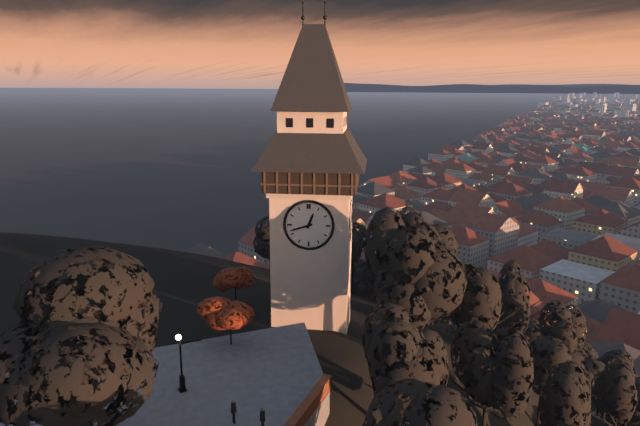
{"hour": 12, "minute": 42}
